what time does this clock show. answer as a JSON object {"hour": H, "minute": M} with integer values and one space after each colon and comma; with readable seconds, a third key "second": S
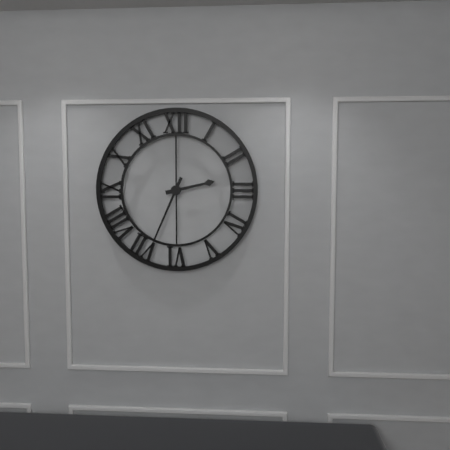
{"hour": 2, "minute": 34}
